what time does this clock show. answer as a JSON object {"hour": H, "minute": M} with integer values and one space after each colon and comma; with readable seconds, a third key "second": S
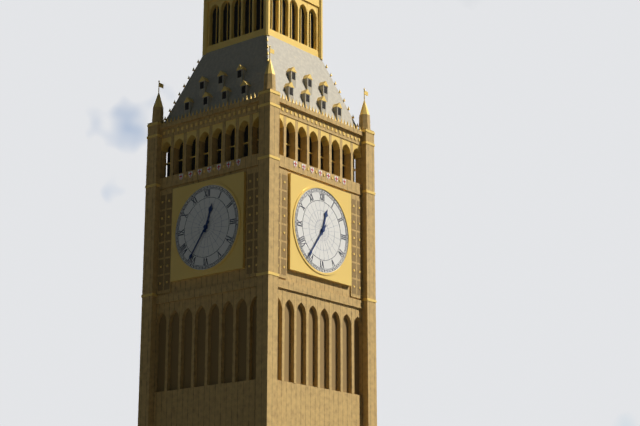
{"hour": 12, "minute": 36}
